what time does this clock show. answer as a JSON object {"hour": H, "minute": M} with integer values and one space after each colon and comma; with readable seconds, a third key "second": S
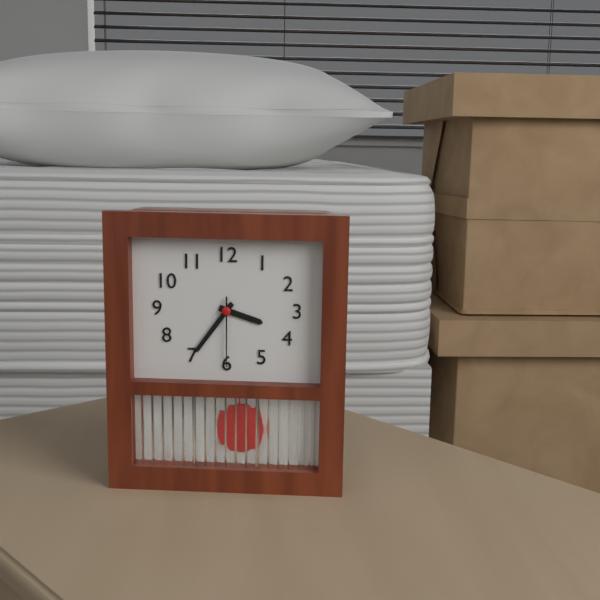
{"hour": 3, "minute": 36, "second": 30}
